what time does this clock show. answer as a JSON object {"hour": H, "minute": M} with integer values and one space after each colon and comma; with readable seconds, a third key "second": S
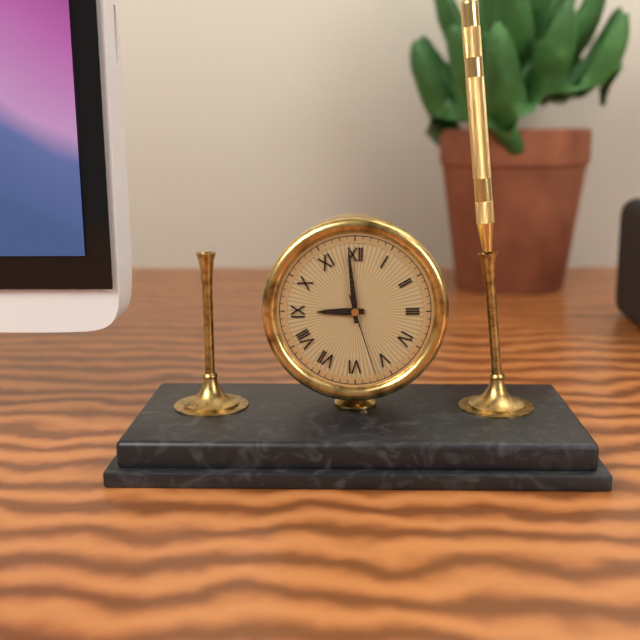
{"hour": 8, "minute": 59, "second": 27}
